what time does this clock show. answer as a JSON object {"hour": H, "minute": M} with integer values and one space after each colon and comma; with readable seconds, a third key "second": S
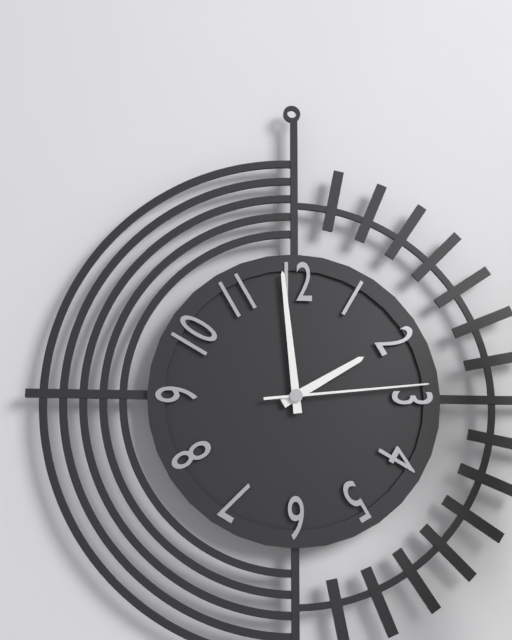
{"hour": 1, "minute": 59, "second": 14}
